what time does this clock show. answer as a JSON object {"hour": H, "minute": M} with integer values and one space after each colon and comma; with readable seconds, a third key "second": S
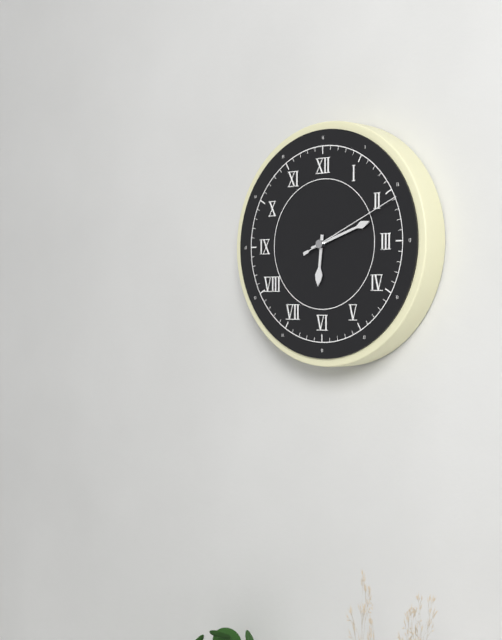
{"hour": 6, "minute": 12, "second": 11}
